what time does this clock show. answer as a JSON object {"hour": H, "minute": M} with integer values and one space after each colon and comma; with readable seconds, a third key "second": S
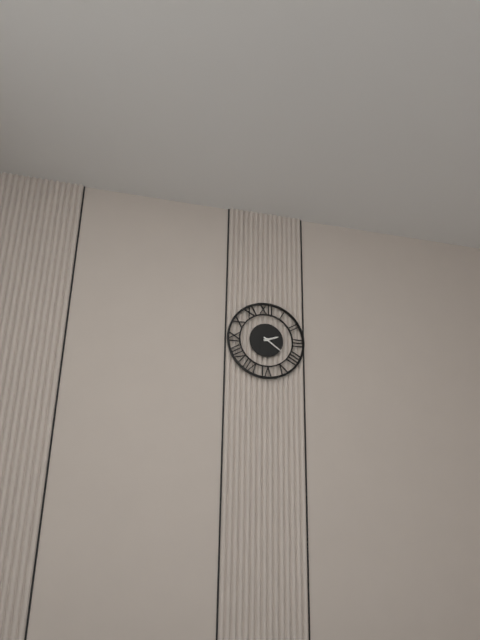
{"hour": 2, "minute": 21}
